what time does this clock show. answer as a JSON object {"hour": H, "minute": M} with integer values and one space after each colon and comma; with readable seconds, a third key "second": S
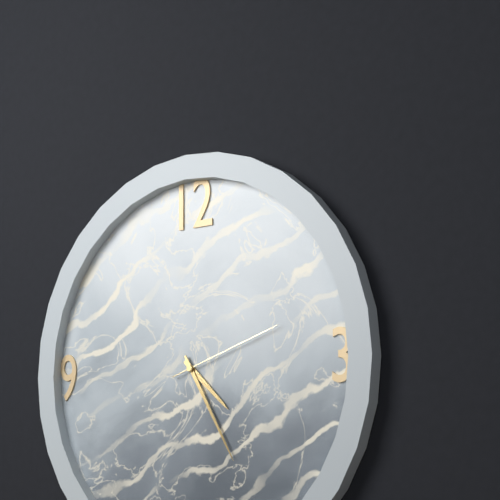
{"hour": 4, "minute": 25, "second": 12}
